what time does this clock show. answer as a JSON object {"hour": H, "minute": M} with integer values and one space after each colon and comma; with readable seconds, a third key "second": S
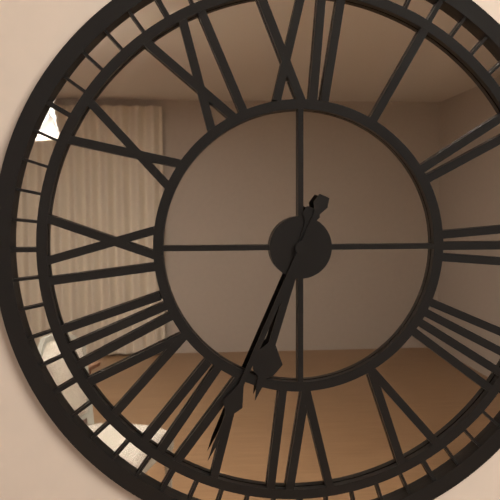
{"hour": 6, "minute": 34}
